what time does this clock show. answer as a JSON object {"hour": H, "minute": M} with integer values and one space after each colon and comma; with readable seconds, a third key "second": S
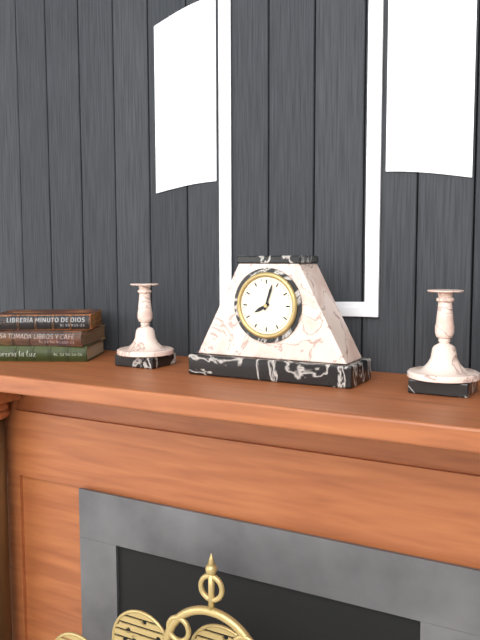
{"hour": 8, "minute": 3}
